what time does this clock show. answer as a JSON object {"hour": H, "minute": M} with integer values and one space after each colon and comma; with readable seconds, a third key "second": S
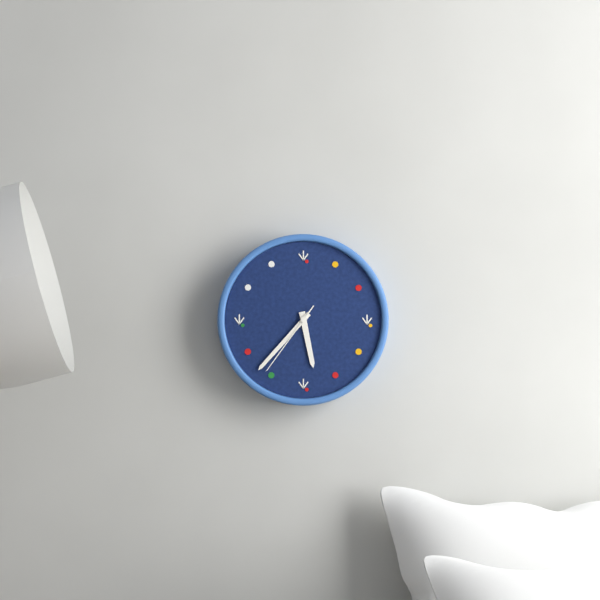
{"hour": 5, "minute": 37, "second": 36}
